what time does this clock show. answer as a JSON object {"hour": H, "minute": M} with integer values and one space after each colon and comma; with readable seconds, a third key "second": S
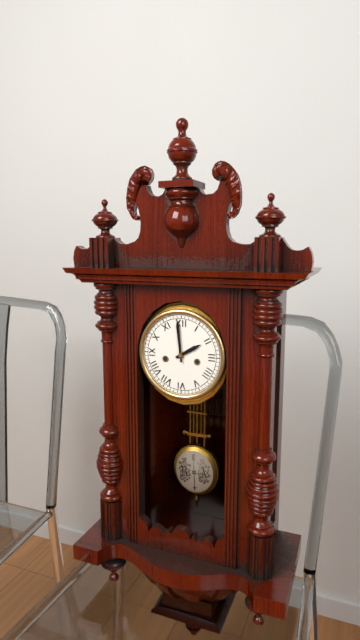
{"hour": 1, "minute": 59}
